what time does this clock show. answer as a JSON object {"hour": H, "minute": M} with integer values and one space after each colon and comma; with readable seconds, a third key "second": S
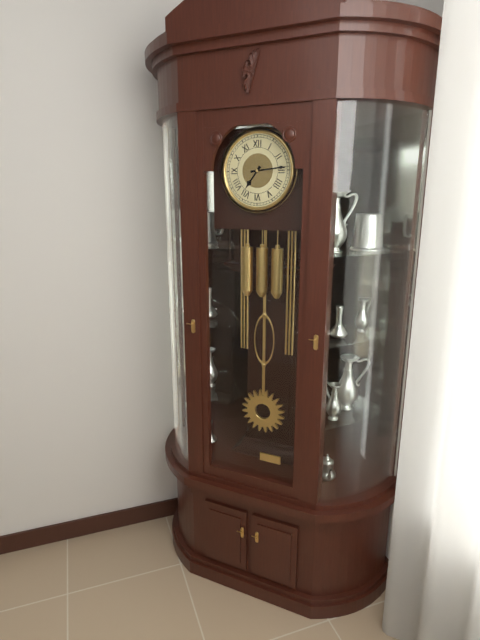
{"hour": 7, "minute": 14}
